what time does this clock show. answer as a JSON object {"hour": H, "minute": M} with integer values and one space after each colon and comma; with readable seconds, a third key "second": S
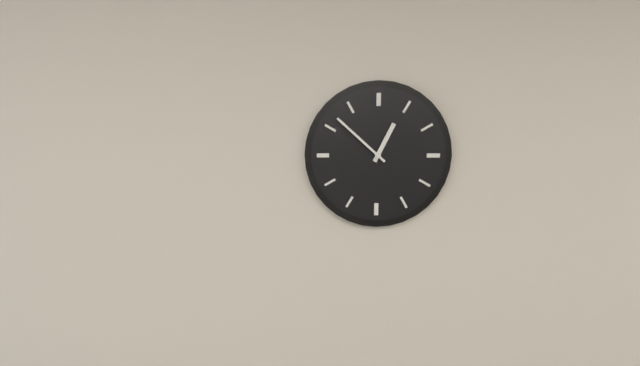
{"hour": 12, "minute": 52}
